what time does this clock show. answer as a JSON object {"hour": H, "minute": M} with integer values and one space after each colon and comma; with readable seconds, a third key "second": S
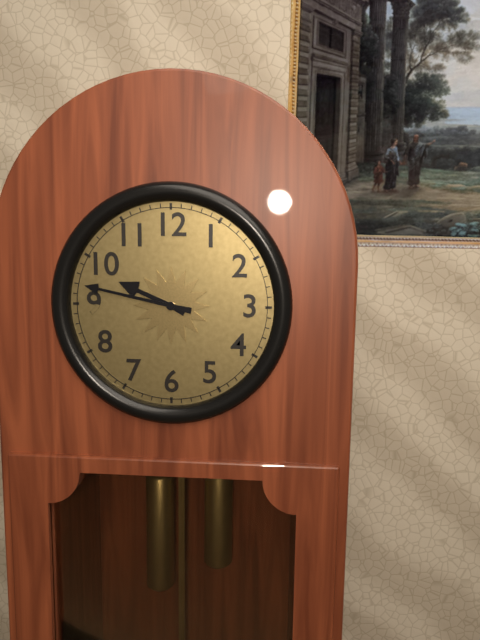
{"hour": 9, "minute": 47}
